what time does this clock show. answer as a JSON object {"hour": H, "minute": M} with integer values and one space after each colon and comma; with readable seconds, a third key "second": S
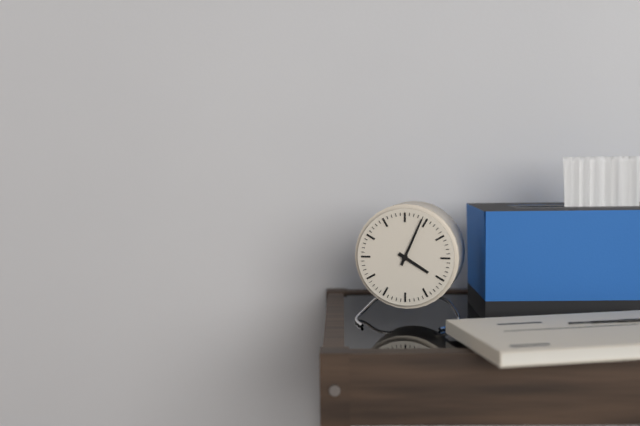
{"hour": 4, "minute": 4}
